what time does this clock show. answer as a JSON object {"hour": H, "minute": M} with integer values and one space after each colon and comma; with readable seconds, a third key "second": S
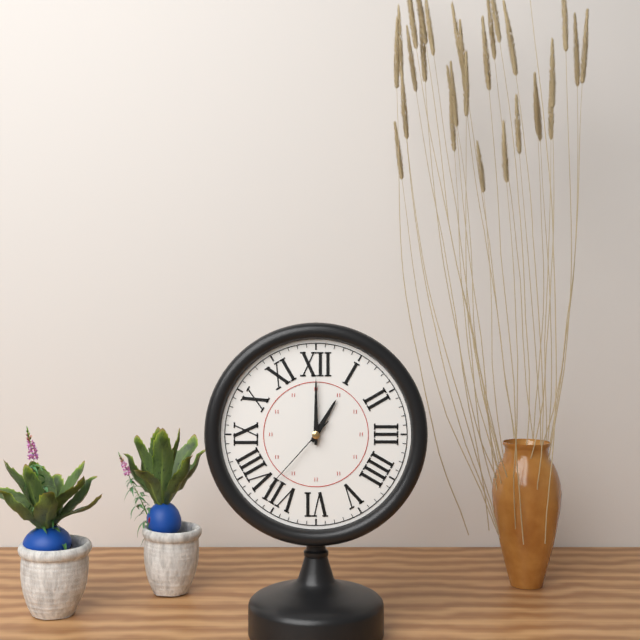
{"hour": 1, "minute": 0, "second": 37}
